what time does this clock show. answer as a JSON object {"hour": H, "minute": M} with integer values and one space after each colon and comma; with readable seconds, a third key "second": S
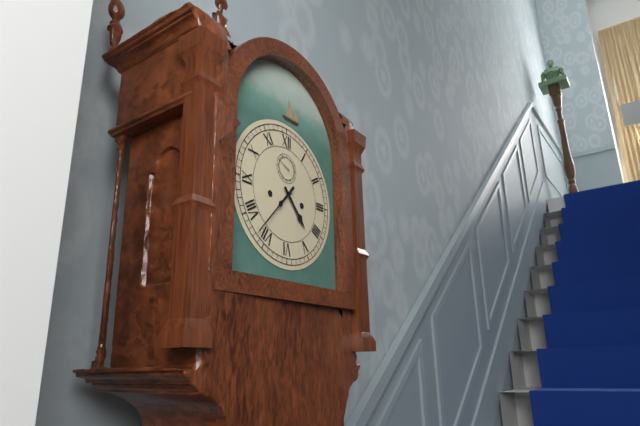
{"hour": 4, "minute": 37}
